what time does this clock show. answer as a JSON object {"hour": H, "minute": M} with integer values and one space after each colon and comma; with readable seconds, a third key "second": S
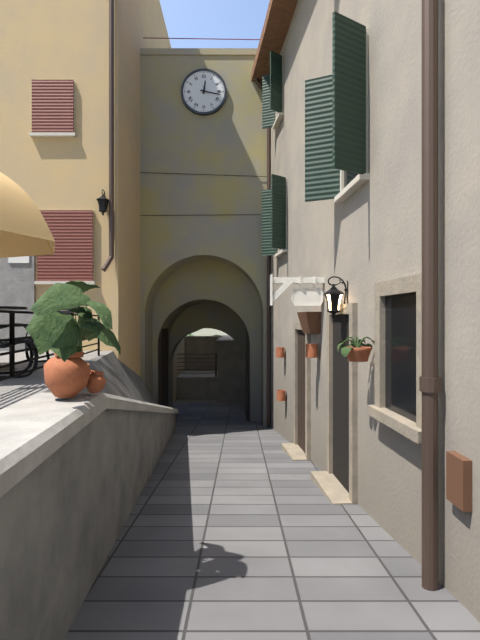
{"hour": 12, "minute": 17}
